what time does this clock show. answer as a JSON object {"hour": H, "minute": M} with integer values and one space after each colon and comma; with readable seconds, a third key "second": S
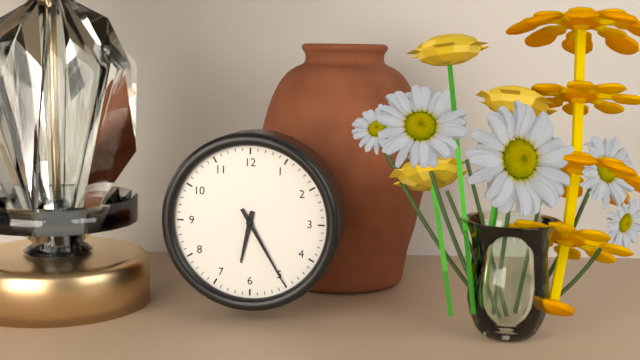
{"hour": 6, "minute": 25}
